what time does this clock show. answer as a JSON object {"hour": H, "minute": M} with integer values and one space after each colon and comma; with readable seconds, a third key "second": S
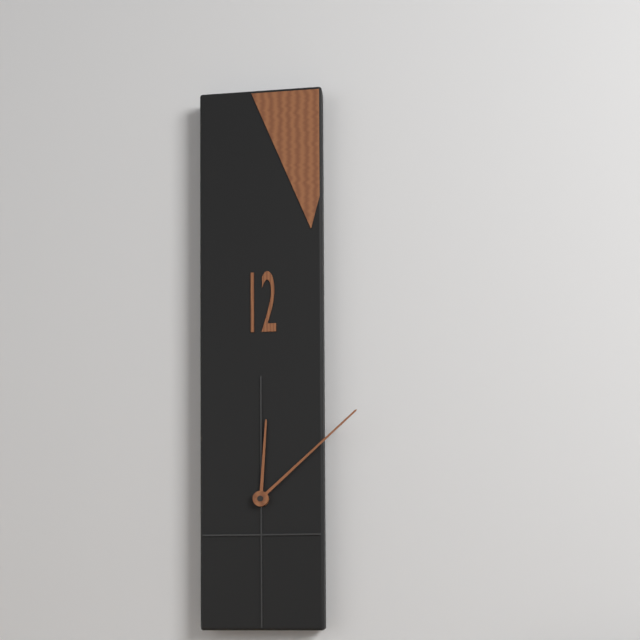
{"hour": 12, "minute": 8}
